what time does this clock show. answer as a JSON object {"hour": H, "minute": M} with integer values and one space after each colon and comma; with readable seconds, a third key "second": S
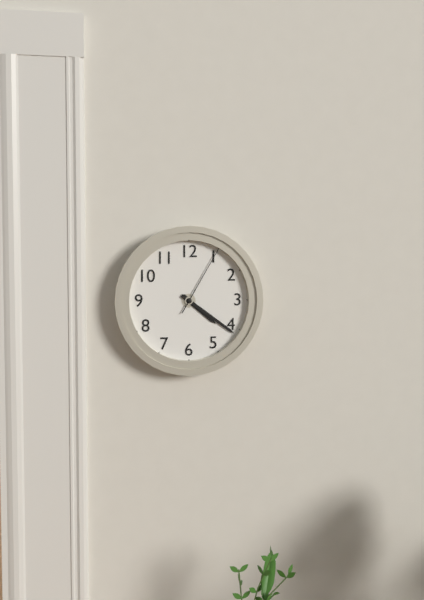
{"hour": 4, "minute": 21, "second": 5}
